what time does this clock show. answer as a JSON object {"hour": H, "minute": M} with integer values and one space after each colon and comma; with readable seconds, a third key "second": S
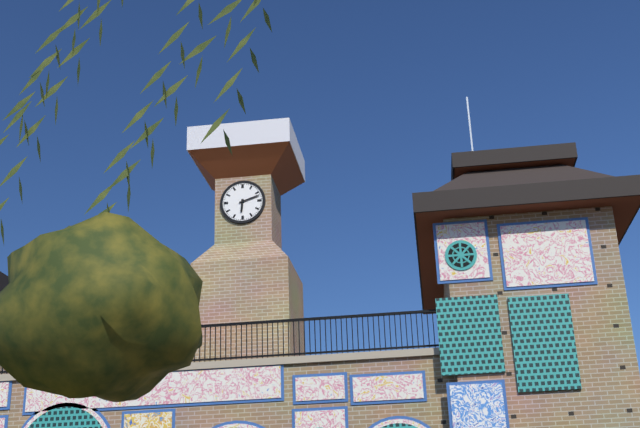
{"hour": 6, "minute": 12}
